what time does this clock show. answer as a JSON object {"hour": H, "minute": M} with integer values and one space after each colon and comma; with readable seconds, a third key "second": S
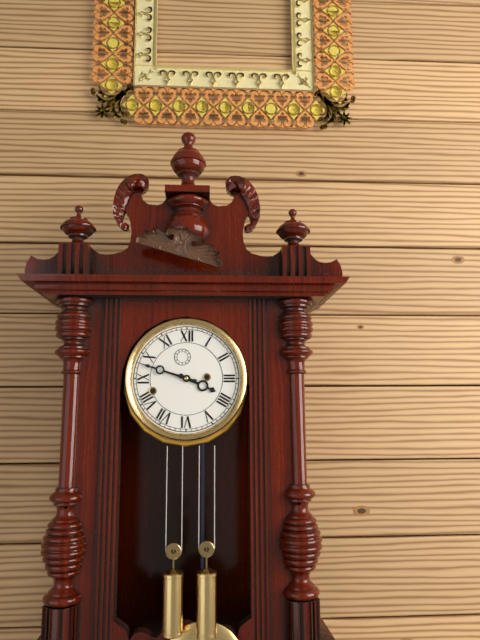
{"hour": 3, "minute": 48}
